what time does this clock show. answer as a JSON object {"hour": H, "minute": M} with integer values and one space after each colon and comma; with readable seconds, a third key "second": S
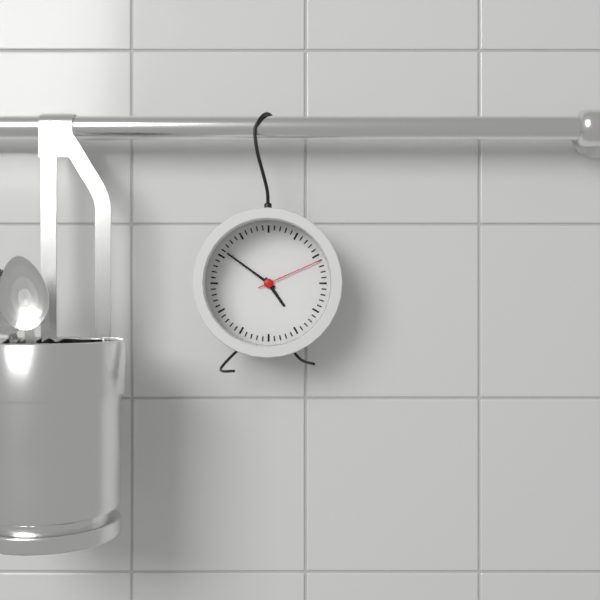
{"hour": 4, "minute": 51, "second": 11}
